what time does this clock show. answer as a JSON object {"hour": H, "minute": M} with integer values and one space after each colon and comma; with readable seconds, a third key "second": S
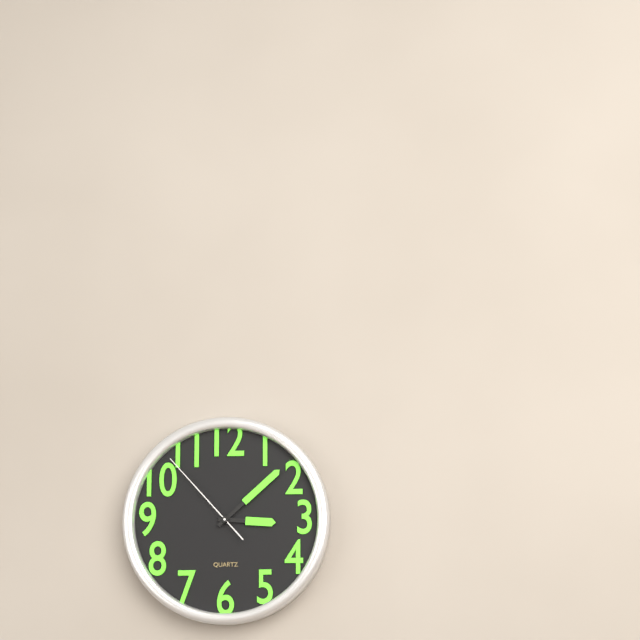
{"hour": 3, "minute": 8, "second": 53}
